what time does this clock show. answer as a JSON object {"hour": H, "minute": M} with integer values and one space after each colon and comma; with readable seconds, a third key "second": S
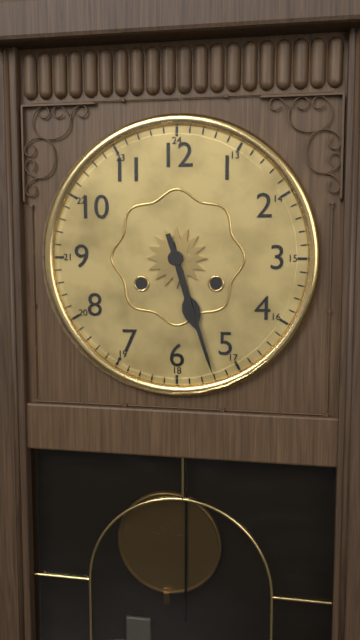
{"hour": 5, "minute": 27}
